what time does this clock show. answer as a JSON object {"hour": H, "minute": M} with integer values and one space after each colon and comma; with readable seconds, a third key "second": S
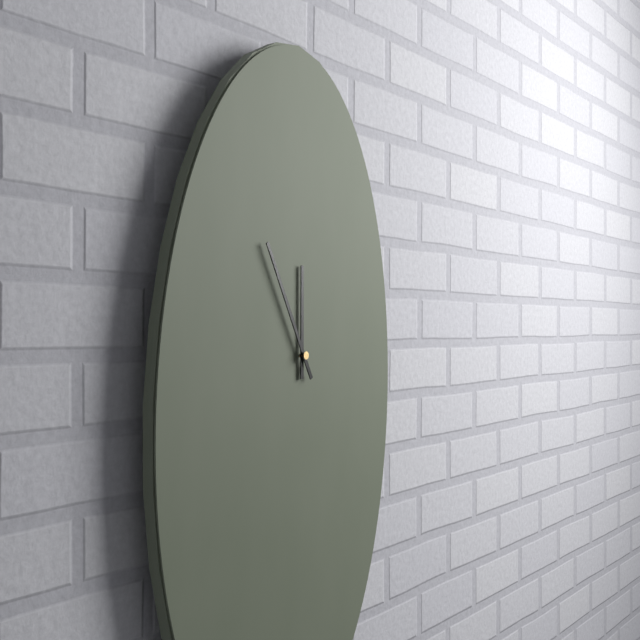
{"hour": 11, "minute": 55}
